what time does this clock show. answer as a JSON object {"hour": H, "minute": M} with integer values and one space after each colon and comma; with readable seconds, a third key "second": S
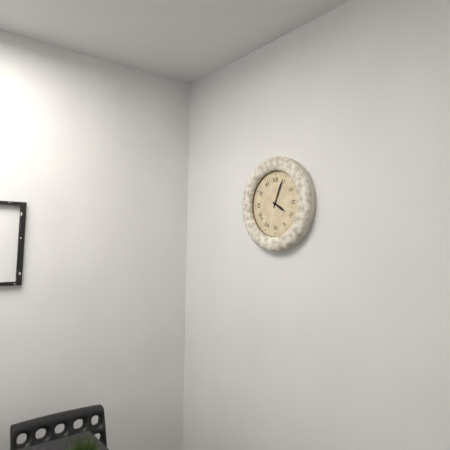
{"hour": 4, "minute": 4}
